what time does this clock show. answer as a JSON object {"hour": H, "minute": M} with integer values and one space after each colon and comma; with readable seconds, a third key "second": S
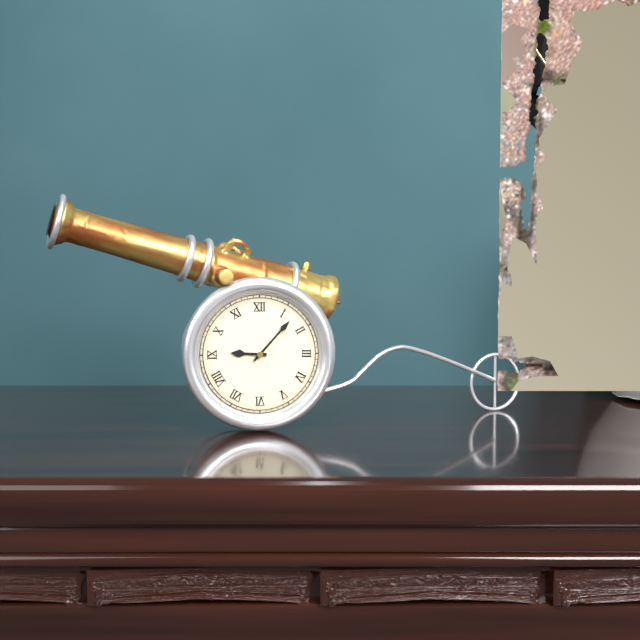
{"hour": 9, "minute": 7}
